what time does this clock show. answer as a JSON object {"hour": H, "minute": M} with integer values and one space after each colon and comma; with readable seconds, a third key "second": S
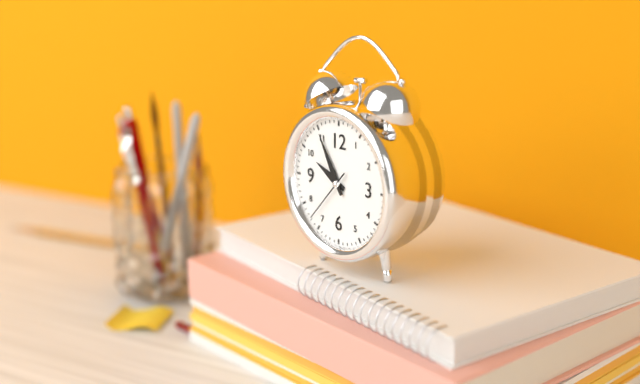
{"hour": 9, "minute": 55, "second": 37}
